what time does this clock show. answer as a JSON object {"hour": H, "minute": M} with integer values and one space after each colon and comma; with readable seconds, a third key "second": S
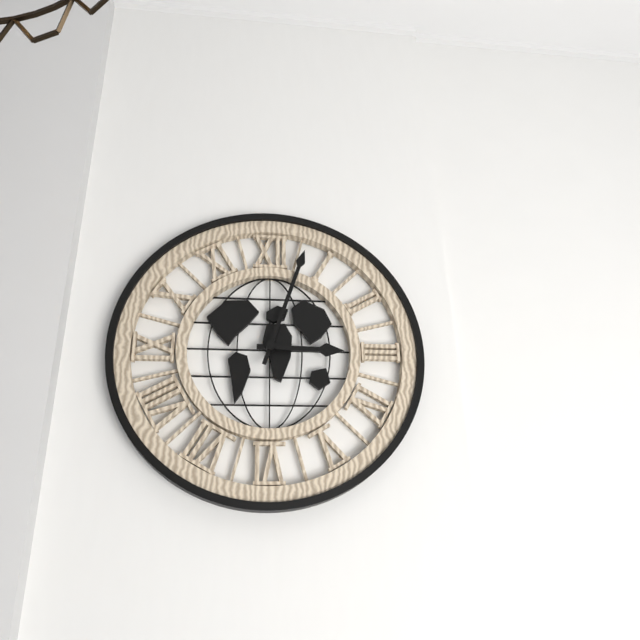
{"hour": 3, "minute": 3}
